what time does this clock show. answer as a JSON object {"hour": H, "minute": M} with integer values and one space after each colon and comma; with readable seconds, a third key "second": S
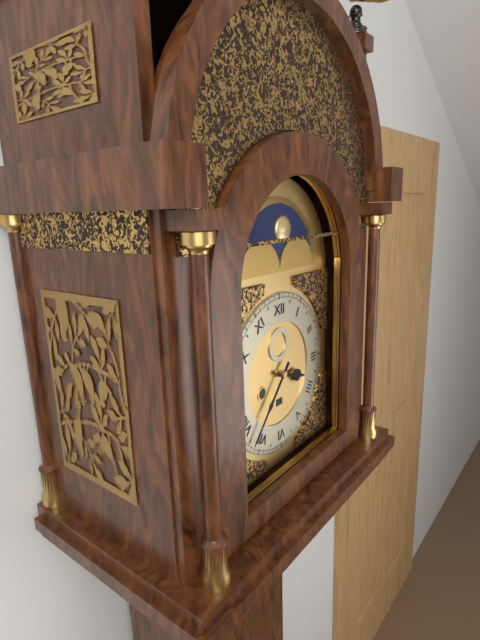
{"hour": 3, "minute": 37}
